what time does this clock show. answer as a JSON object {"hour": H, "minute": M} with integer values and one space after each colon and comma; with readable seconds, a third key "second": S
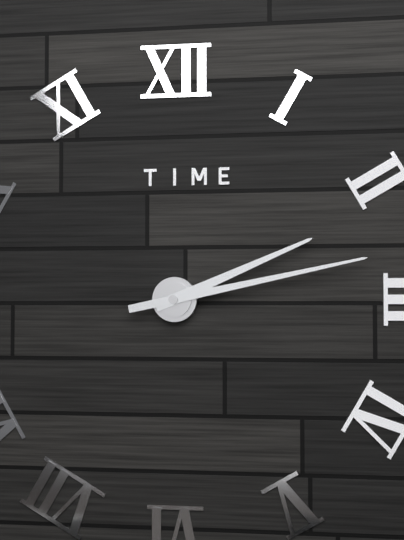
{"hour": 2, "minute": 13}
